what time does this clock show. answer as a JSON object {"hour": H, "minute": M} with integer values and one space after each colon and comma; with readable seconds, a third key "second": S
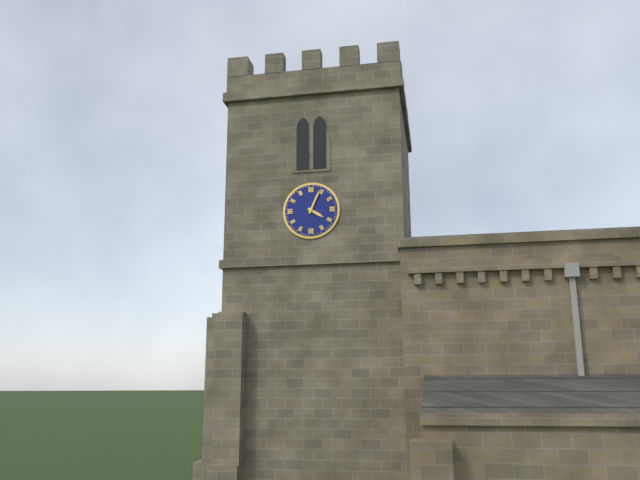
{"hour": 4, "minute": 4}
